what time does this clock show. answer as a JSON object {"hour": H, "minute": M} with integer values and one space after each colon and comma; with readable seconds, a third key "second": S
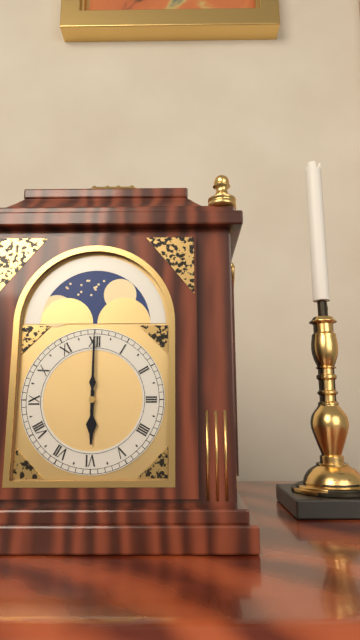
{"hour": 6, "minute": 0}
